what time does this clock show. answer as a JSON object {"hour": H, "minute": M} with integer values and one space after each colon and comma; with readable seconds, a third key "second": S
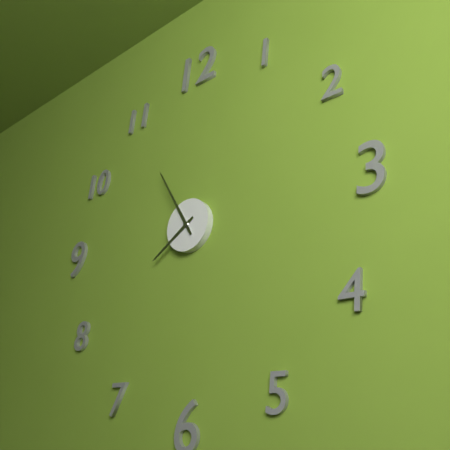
{"hour": 7, "minute": 55}
